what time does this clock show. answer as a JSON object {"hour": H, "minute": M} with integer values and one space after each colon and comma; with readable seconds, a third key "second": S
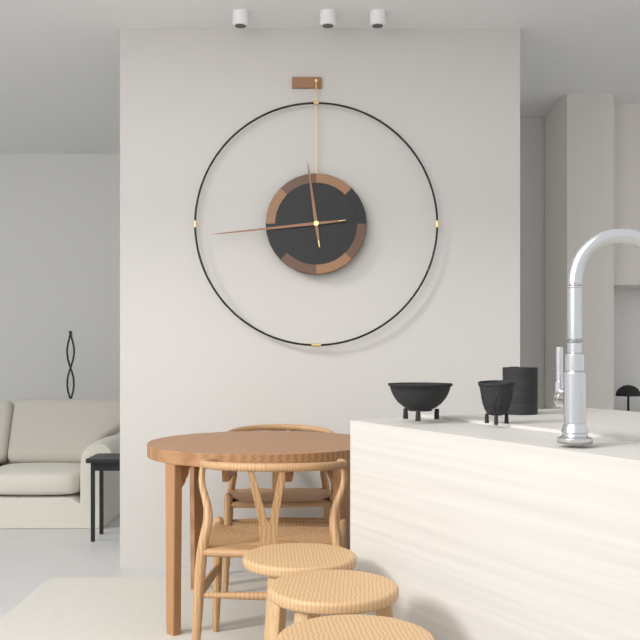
{"hour": 11, "minute": 44}
